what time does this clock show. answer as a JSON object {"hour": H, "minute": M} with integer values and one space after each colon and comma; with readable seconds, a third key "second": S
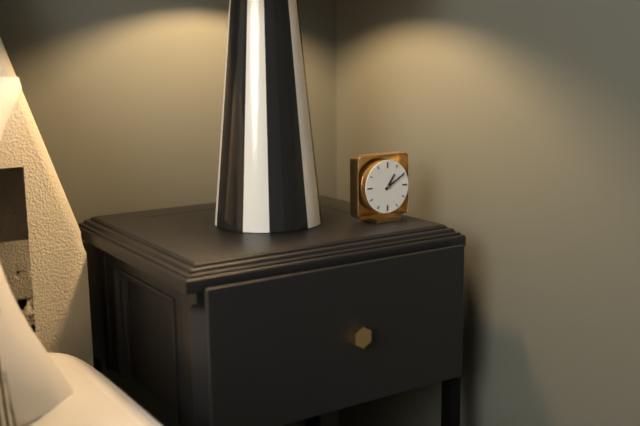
{"hour": 1, "minute": 10}
